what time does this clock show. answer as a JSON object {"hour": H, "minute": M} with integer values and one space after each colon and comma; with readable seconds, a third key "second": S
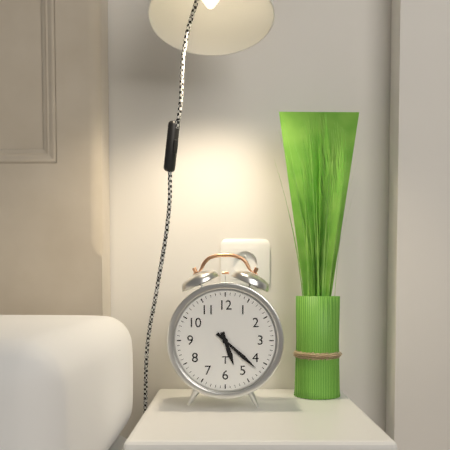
{"hour": 5, "minute": 22}
